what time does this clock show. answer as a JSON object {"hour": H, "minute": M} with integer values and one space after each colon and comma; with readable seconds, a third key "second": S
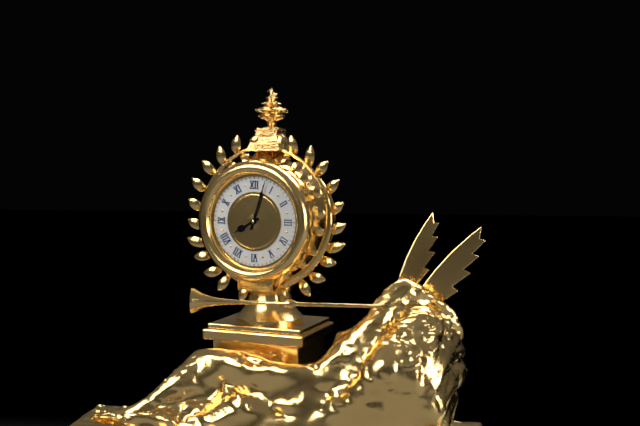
{"hour": 8, "minute": 3}
